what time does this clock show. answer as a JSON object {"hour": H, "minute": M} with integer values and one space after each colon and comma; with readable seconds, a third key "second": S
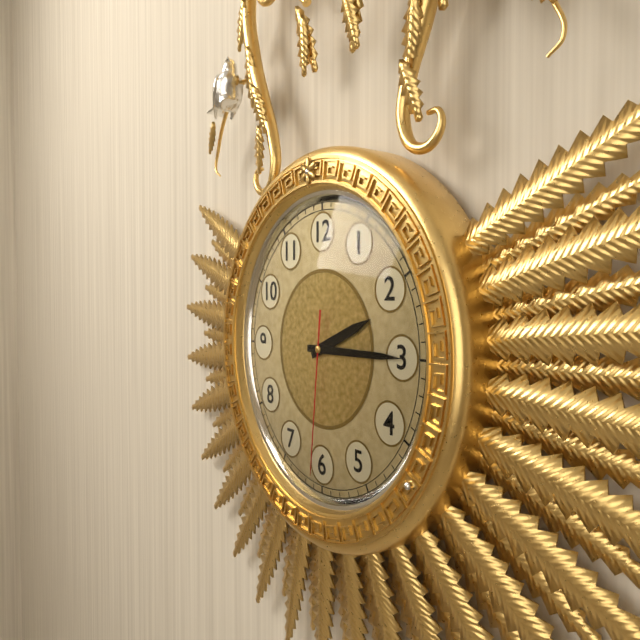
{"hour": 2, "minute": 15, "second": 31}
